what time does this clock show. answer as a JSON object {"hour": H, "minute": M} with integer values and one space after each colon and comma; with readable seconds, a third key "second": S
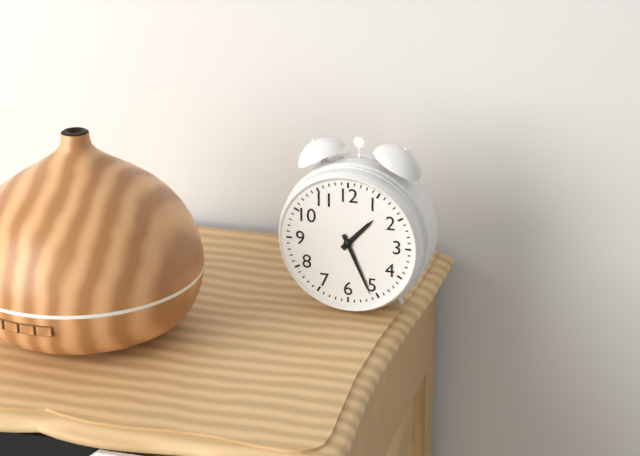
{"hour": 1, "minute": 26}
